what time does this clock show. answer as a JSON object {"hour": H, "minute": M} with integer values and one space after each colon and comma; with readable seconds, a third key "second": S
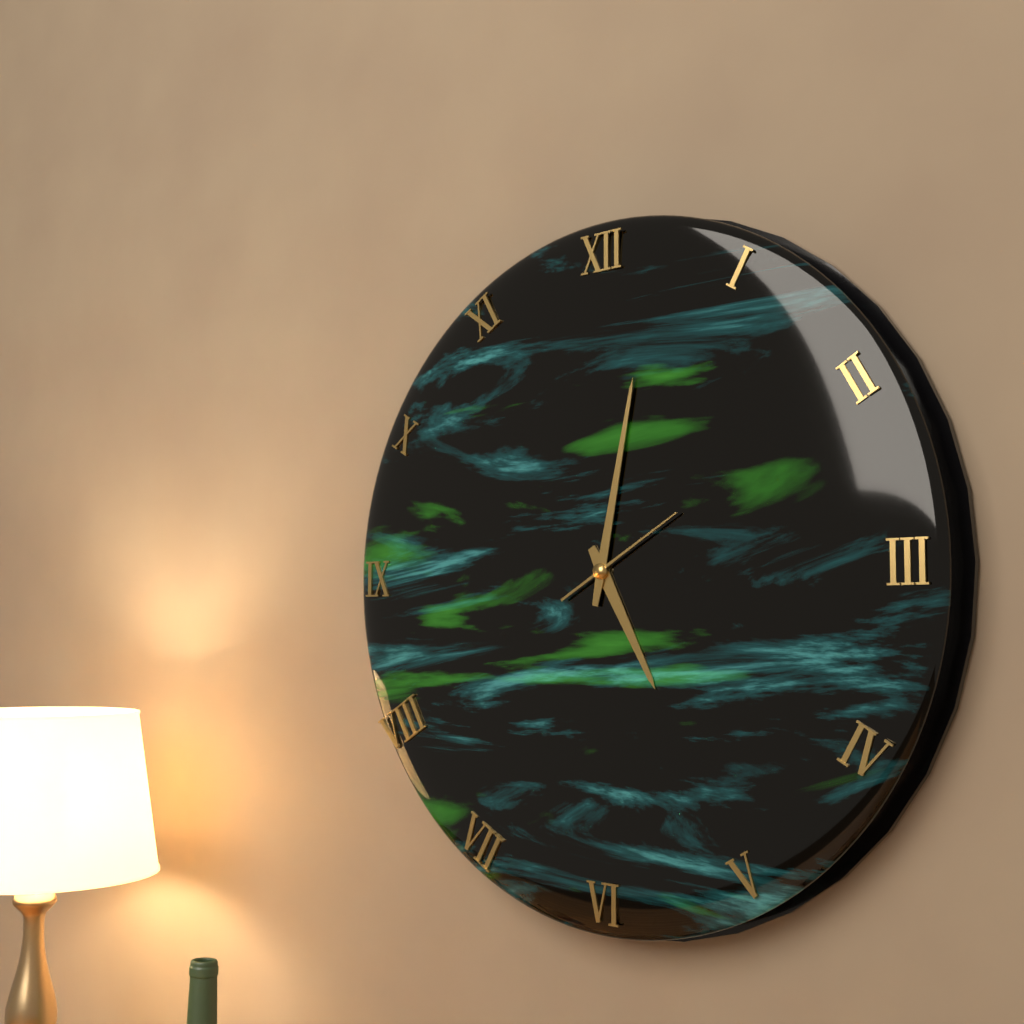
{"hour": 5, "minute": 2, "second": 10}
